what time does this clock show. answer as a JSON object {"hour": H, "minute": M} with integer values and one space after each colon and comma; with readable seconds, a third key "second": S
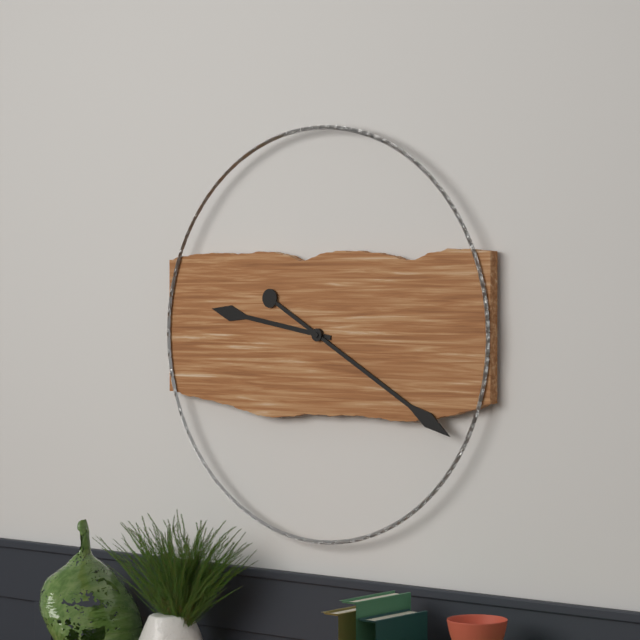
{"hour": 9, "minute": 20}
